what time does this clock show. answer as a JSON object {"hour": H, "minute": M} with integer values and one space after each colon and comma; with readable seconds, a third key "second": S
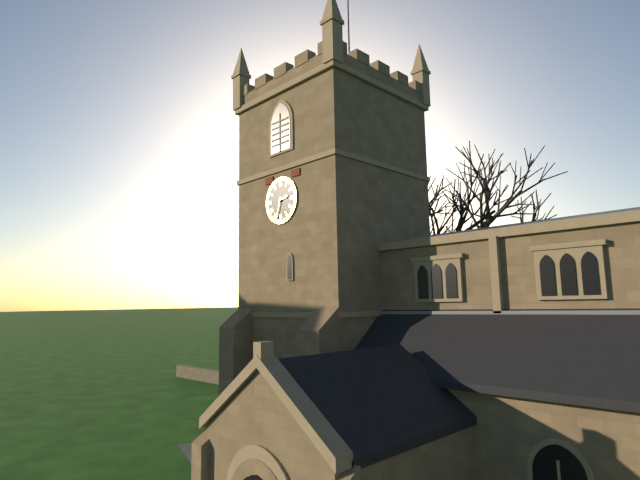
{"hour": 2, "minute": 33}
